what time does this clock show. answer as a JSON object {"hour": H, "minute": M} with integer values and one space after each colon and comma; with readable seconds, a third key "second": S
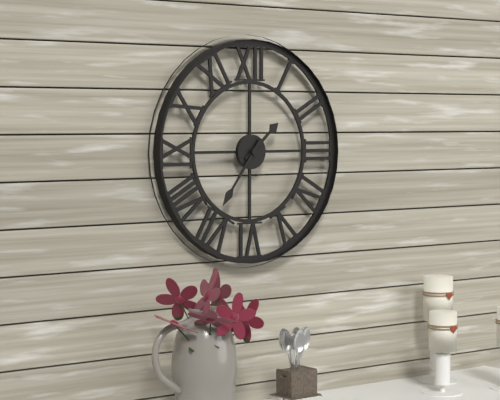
{"hour": 1, "minute": 36}
